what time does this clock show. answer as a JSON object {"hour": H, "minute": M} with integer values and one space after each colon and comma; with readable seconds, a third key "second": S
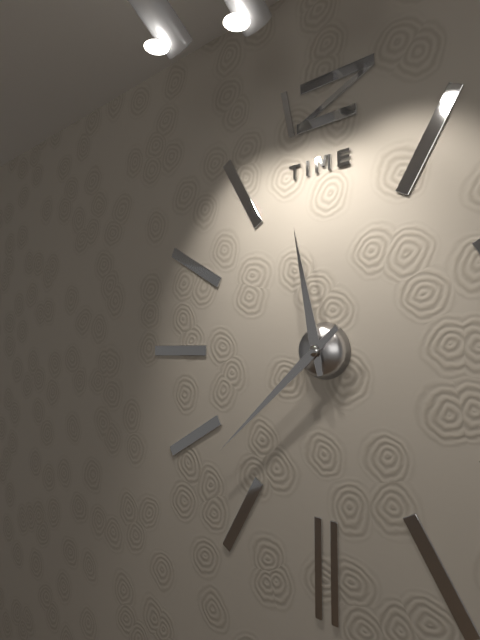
{"hour": 11, "minute": 38}
